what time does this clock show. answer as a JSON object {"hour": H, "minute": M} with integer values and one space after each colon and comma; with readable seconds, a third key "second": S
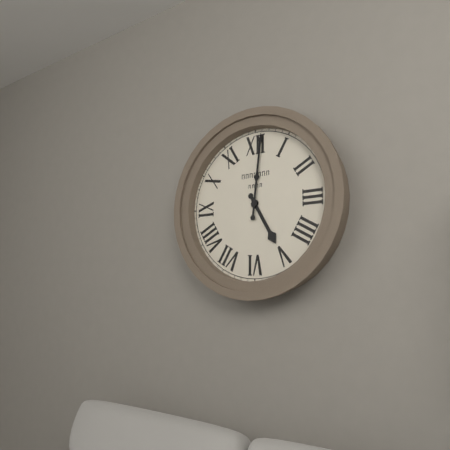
{"hour": 5, "minute": 1}
